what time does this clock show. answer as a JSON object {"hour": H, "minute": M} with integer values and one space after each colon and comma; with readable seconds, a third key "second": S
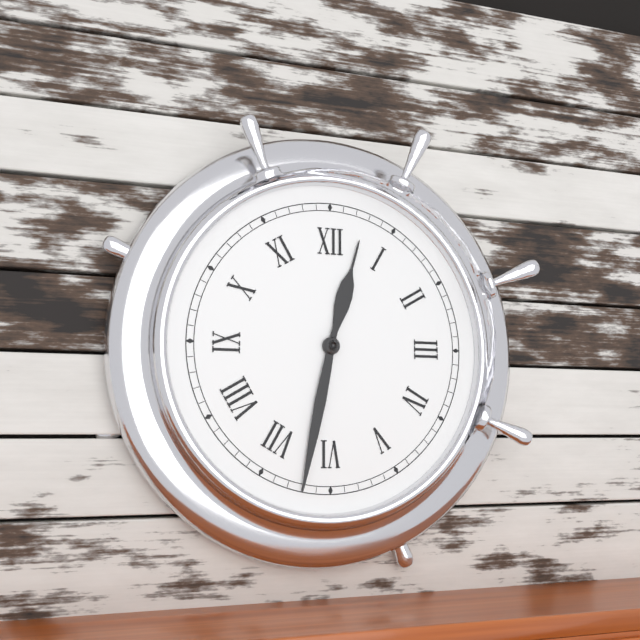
{"hour": 12, "minute": 32}
